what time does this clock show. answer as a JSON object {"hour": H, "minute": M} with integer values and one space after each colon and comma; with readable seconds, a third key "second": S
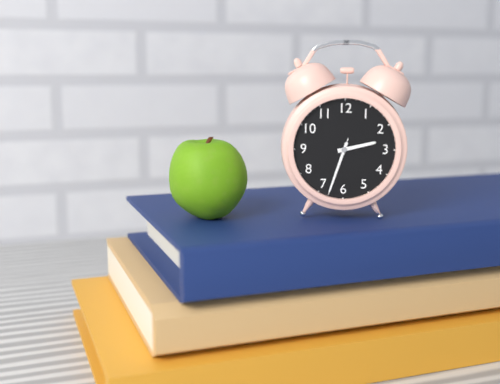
{"hour": 2, "minute": 33, "second": 33}
